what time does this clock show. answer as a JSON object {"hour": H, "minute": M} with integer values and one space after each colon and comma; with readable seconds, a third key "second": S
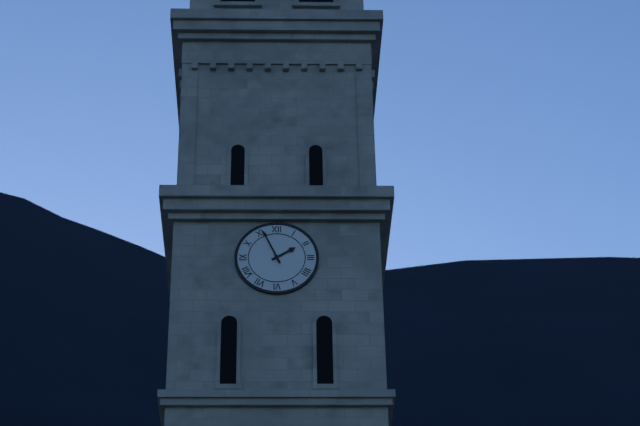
{"hour": 1, "minute": 56}
